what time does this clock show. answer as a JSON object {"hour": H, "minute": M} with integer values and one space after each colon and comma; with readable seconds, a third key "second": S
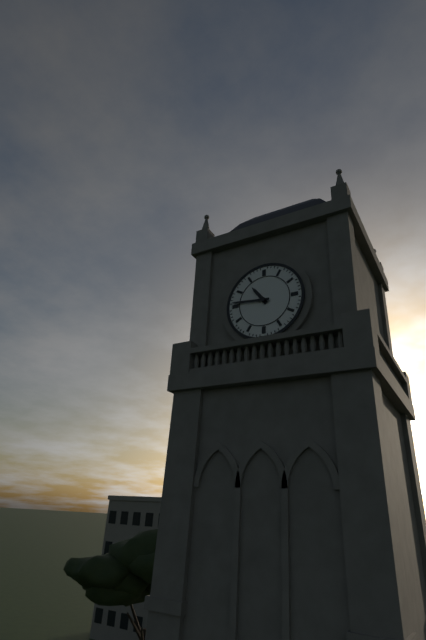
{"hour": 10, "minute": 46}
